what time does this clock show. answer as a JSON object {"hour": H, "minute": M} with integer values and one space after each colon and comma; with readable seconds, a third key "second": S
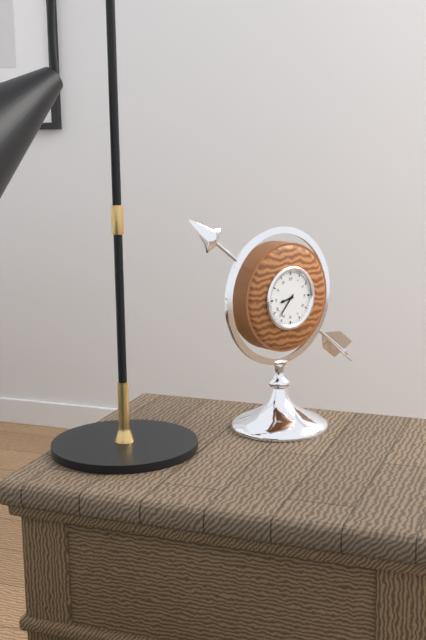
{"hour": 8, "minute": 37}
